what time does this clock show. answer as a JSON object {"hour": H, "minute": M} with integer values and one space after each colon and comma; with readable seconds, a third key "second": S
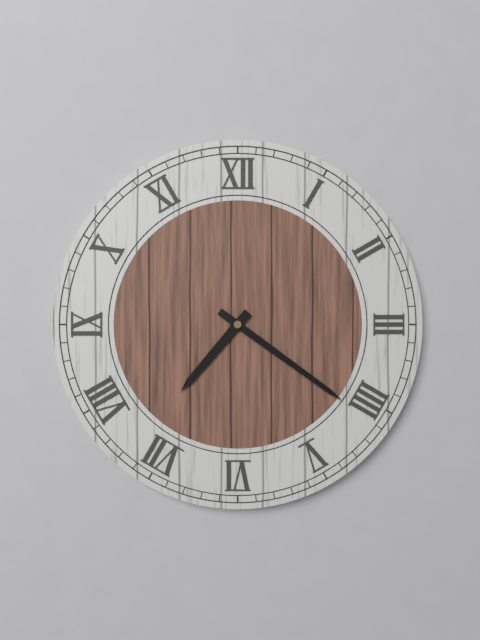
{"hour": 7, "minute": 21}
